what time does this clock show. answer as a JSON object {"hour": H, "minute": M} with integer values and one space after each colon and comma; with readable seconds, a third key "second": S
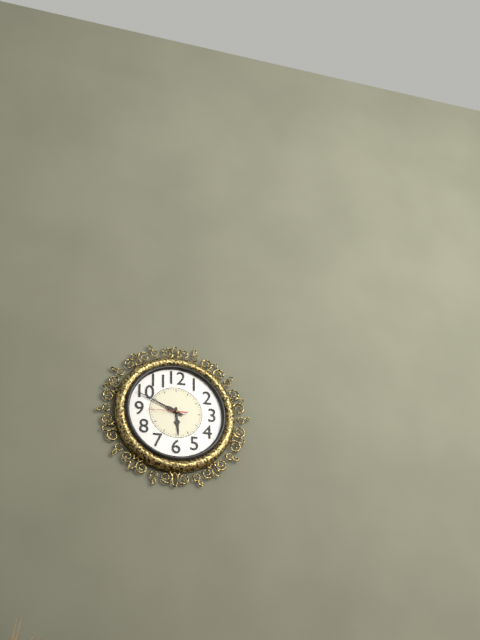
{"hour": 5, "minute": 49}
